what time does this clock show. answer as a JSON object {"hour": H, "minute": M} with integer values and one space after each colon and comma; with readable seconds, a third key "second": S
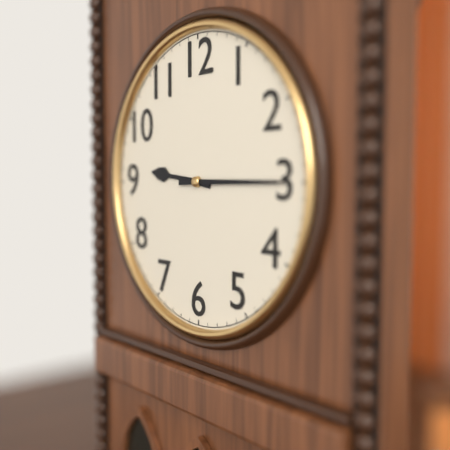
{"hour": 9, "minute": 15}
